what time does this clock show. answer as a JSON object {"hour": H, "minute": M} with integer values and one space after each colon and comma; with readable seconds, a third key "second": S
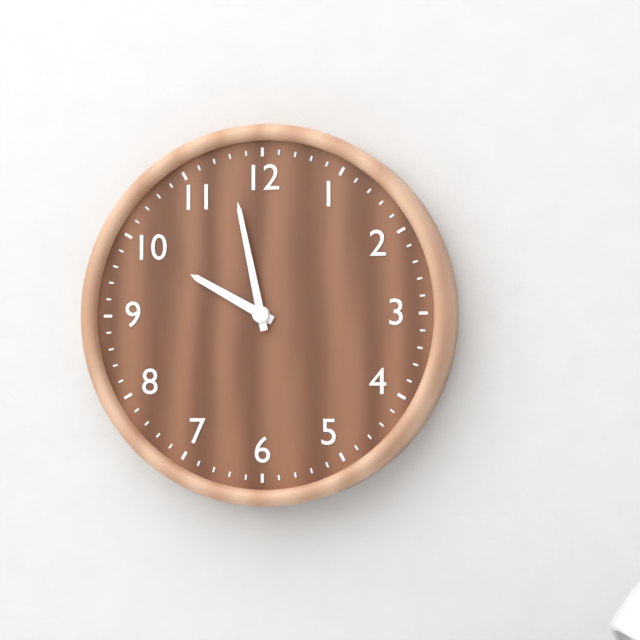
{"hour": 9, "minute": 58}
